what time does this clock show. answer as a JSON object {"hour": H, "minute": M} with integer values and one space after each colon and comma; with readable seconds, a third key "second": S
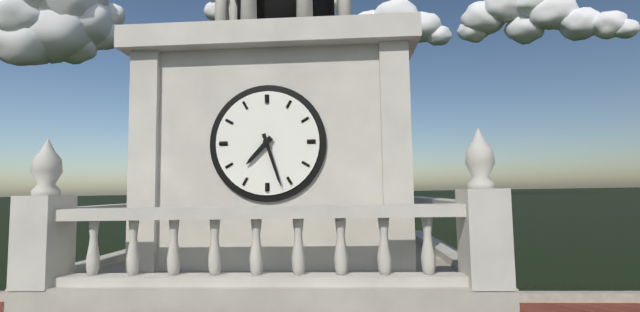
{"hour": 7, "minute": 27}
